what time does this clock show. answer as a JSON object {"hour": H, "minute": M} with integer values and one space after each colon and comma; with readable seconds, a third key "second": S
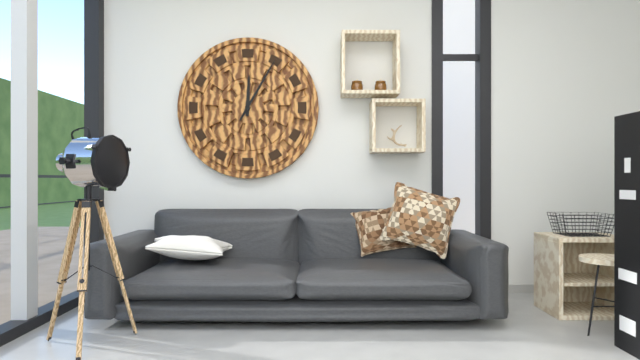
{"hour": 12, "minute": 5}
